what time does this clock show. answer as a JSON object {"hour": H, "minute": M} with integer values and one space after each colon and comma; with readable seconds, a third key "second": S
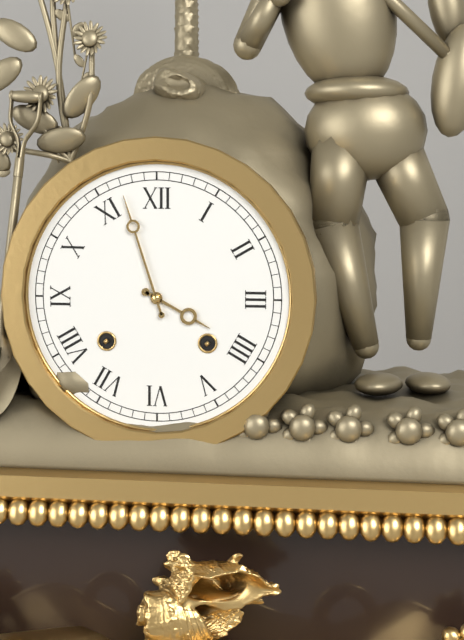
{"hour": 3, "minute": 57}
